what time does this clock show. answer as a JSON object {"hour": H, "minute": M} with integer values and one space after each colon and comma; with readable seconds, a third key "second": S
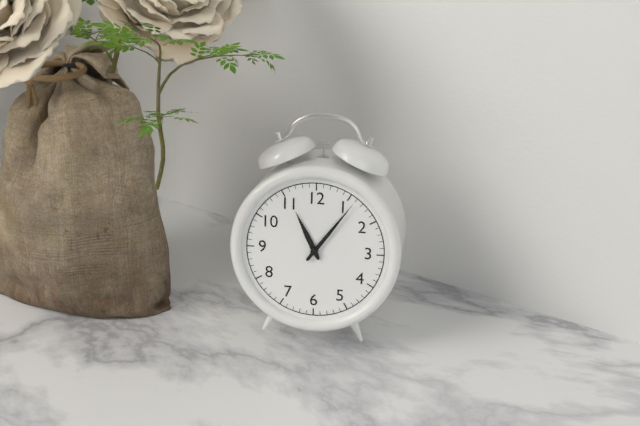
{"hour": 11, "minute": 6}
